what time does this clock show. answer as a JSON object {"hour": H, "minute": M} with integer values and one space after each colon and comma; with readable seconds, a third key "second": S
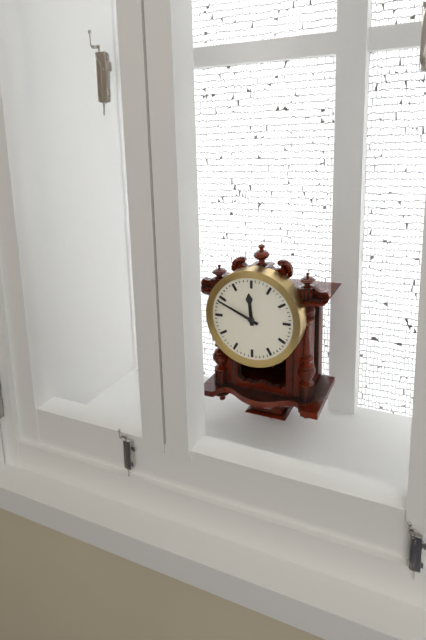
{"hour": 11, "minute": 49}
